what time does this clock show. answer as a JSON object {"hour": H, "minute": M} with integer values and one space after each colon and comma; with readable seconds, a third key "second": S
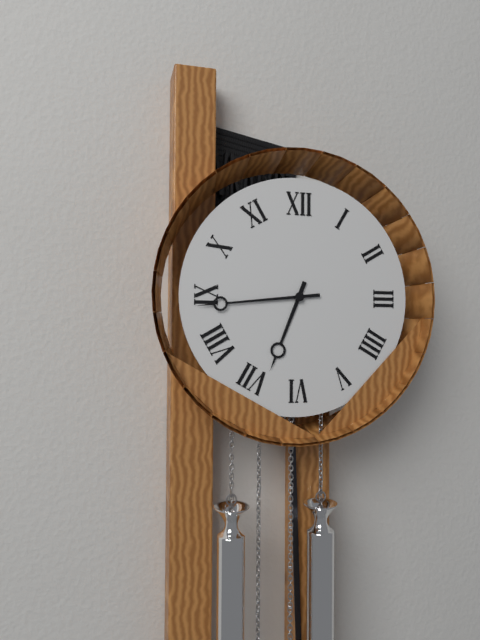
{"hour": 6, "minute": 44}
